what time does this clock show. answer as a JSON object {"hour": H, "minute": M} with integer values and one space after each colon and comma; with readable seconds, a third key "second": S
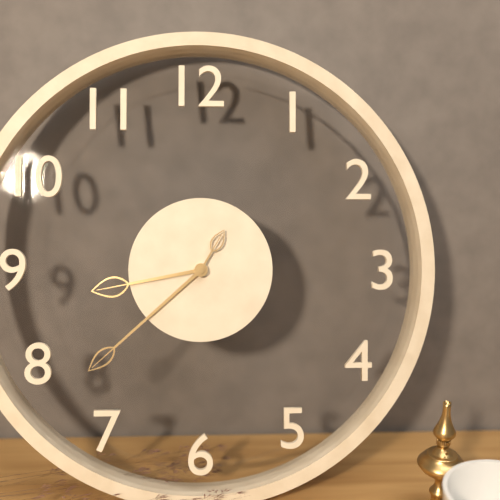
{"hour": 8, "minute": 38, "second": 5}
